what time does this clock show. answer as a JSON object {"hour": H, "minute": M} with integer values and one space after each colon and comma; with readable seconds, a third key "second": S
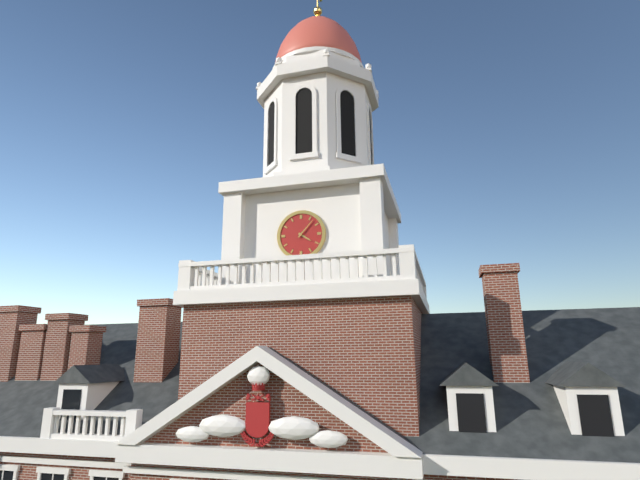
{"hour": 4, "minute": 7}
